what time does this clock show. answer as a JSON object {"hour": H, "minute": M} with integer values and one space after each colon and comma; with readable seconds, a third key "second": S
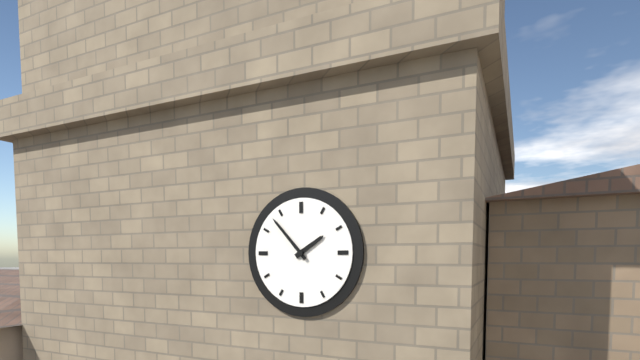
{"hour": 1, "minute": 53}
